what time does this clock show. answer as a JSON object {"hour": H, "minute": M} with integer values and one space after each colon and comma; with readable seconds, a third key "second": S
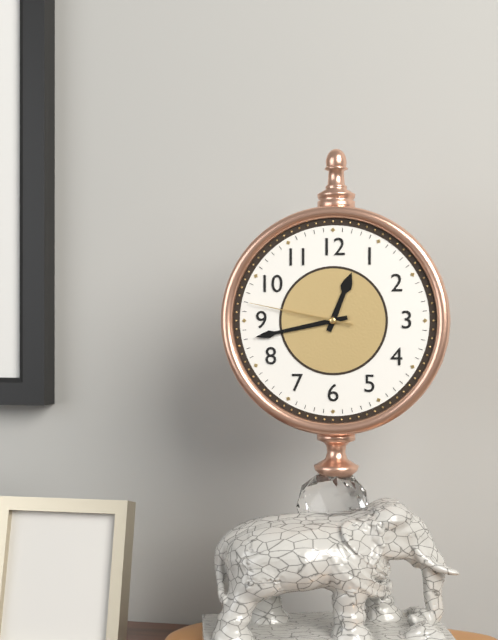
{"hour": 12, "minute": 43, "second": 47}
